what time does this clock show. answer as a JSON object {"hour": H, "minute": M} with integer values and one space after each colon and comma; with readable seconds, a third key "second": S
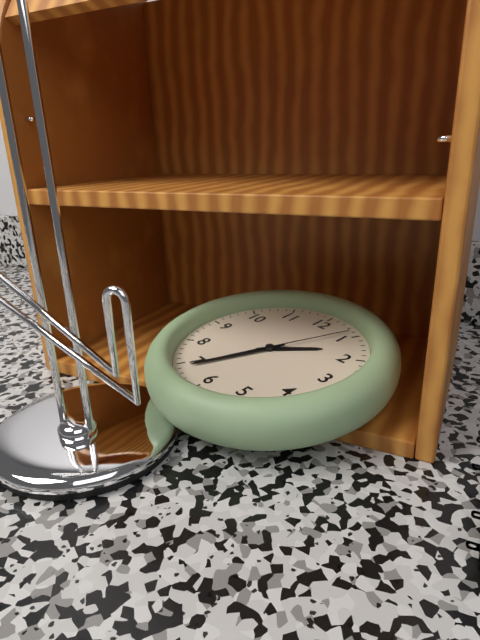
{"hour": 1, "minute": 34, "second": 4}
